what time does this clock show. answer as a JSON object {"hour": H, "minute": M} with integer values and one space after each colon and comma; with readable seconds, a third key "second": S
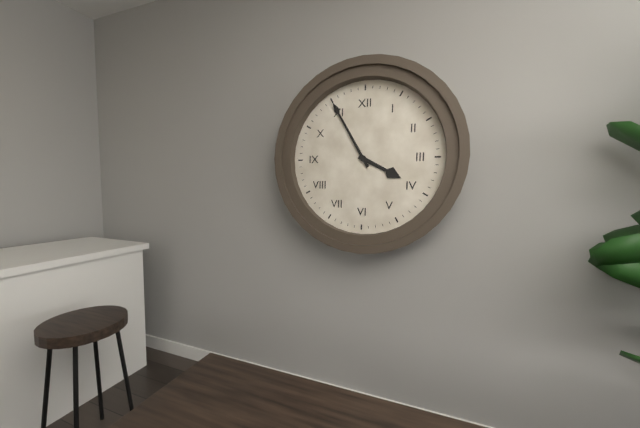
{"hour": 3, "minute": 55}
